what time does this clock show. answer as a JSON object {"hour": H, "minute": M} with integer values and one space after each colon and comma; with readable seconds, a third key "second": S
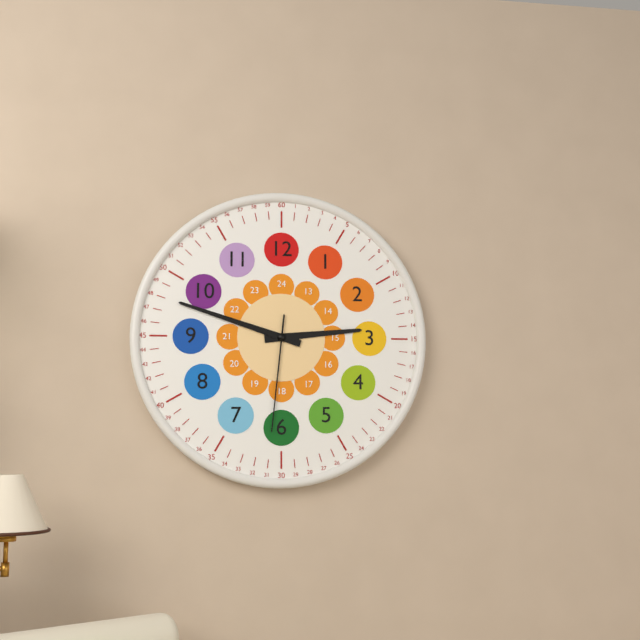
{"hour": 2, "minute": 48, "second": 31}
